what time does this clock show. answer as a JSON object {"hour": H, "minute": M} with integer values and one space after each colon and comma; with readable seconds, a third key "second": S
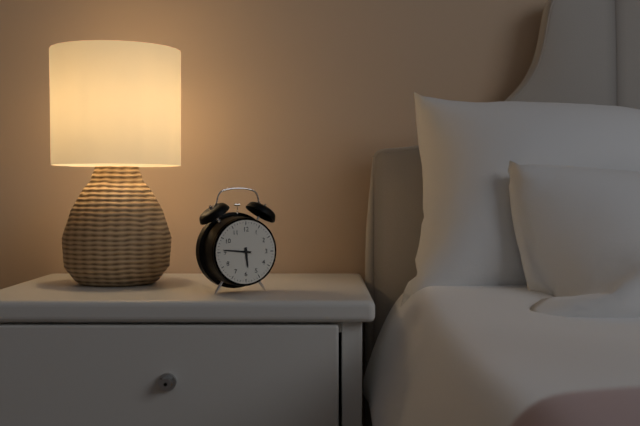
{"hour": 5, "minute": 46}
